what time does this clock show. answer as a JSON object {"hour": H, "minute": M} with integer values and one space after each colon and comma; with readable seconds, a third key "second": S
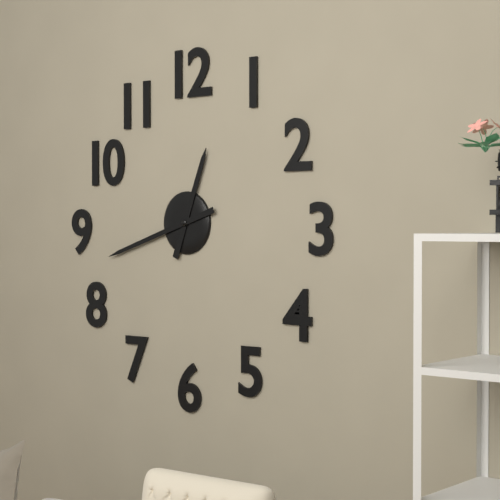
{"hour": 12, "minute": 42}
